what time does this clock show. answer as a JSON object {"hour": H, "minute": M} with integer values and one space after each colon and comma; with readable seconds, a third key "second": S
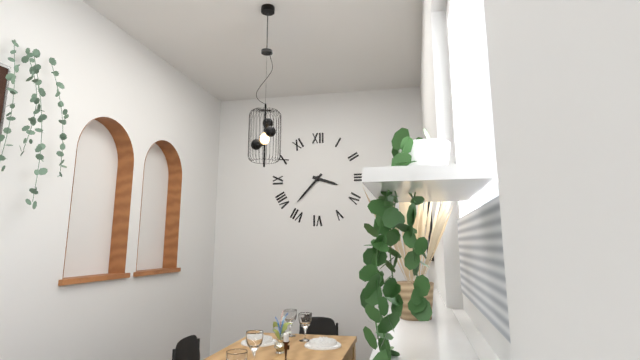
{"hour": 3, "minute": 37}
